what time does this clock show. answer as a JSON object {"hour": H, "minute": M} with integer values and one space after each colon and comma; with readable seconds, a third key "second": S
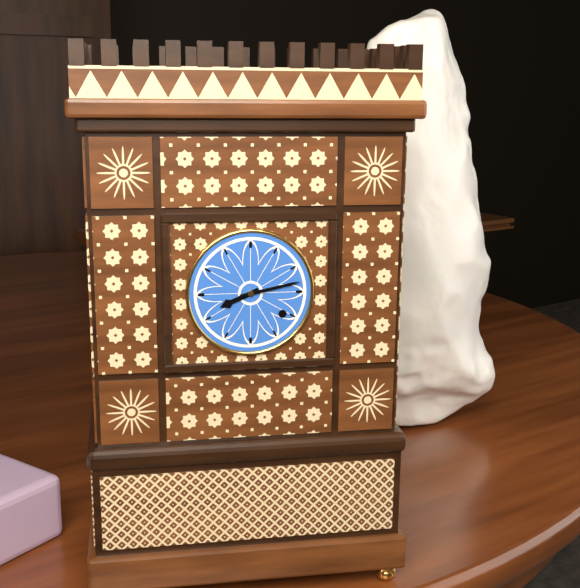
{"hour": 8, "minute": 13}
